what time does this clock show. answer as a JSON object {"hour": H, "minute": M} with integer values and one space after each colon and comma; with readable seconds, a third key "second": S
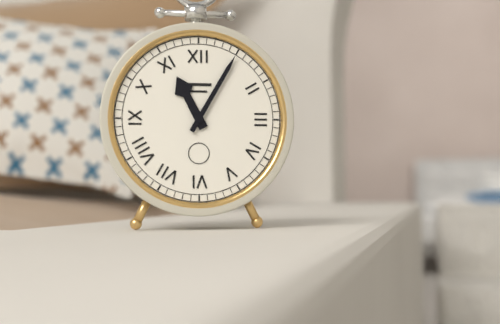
{"hour": 11, "minute": 5}
